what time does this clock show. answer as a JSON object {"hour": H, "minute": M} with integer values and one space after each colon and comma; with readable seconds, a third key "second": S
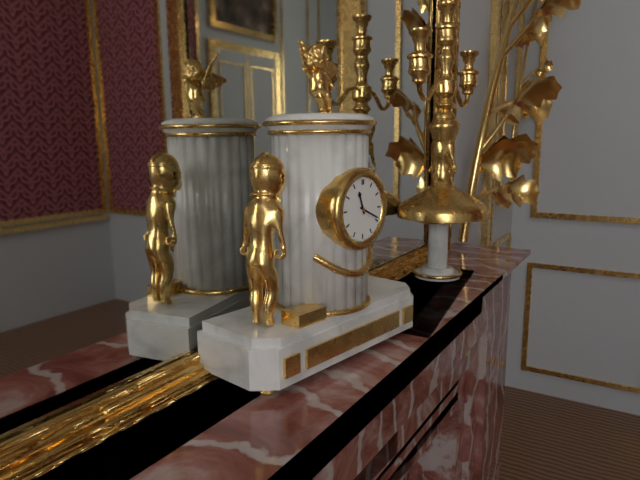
{"hour": 11, "minute": 19}
